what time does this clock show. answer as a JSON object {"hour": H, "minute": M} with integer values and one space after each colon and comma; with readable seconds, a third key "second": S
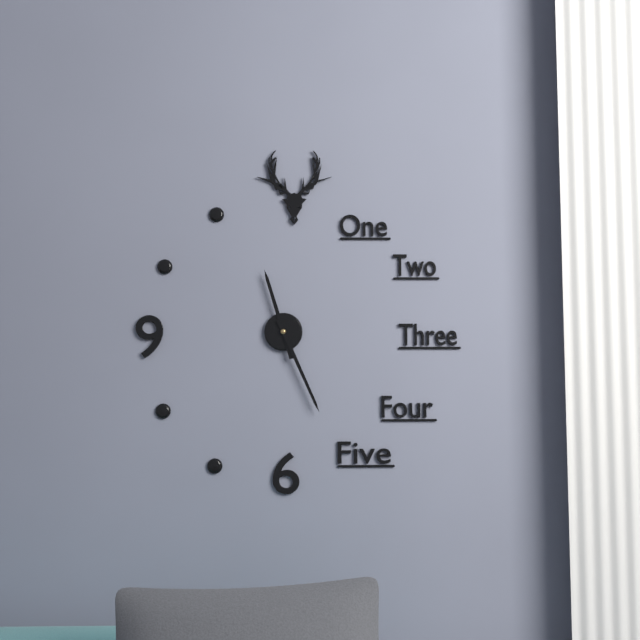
{"hour": 11, "minute": 26}
